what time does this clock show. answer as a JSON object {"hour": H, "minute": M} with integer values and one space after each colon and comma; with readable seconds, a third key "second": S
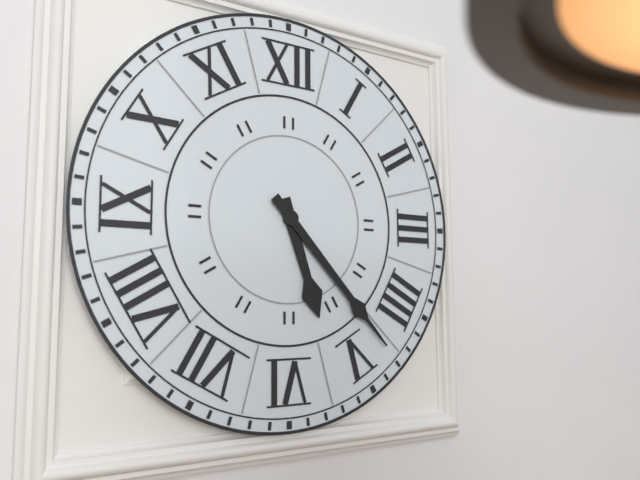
{"hour": 5, "minute": 23}
